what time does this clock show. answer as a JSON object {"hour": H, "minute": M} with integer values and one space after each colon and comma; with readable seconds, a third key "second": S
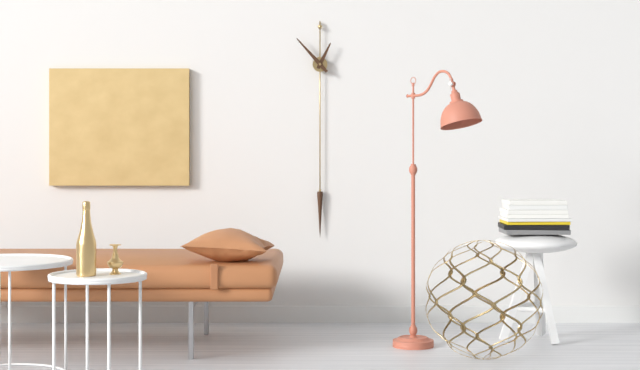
{"hour": 12, "minute": 53}
